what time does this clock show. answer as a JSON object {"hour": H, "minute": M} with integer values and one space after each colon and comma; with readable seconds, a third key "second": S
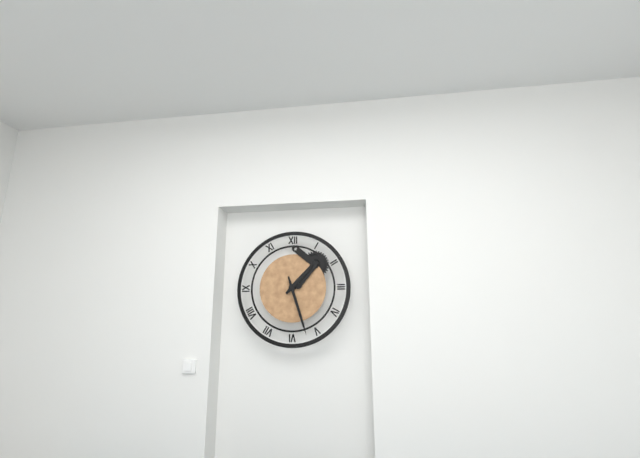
{"hour": 1, "minute": 27}
